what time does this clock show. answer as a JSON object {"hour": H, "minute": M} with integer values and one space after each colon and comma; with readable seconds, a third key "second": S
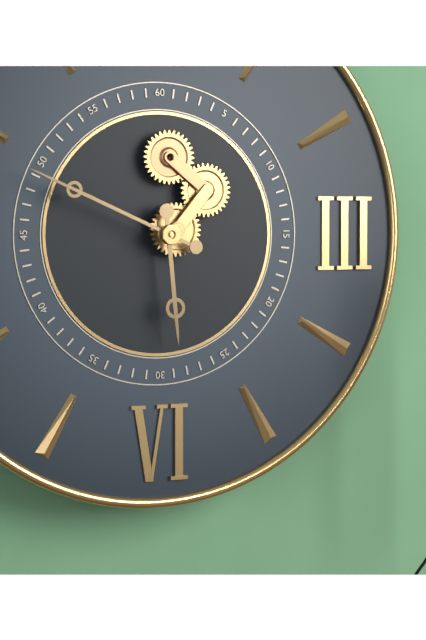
{"hour": 5, "minute": 49}
